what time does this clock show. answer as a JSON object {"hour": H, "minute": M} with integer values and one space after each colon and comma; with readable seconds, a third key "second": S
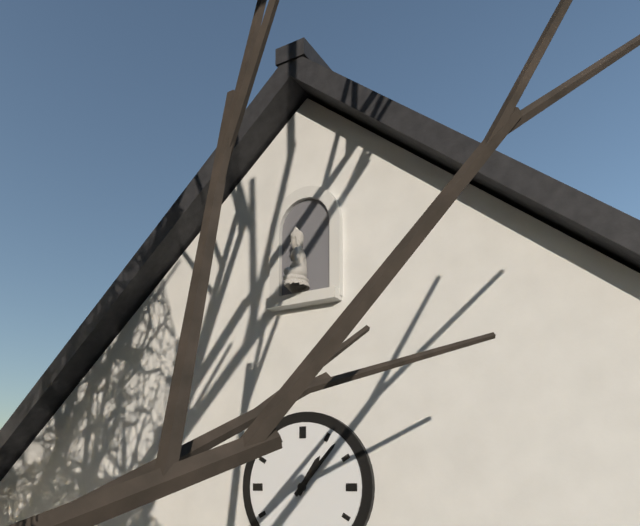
{"hour": 1, "minute": 7}
